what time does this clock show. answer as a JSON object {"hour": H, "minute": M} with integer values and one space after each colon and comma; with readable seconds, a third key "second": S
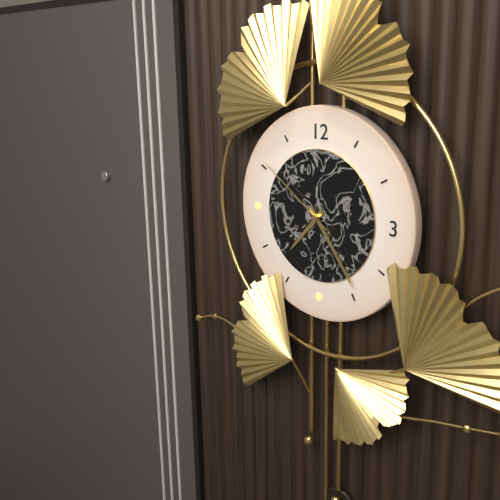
{"hour": 7, "minute": 24, "second": 51}
